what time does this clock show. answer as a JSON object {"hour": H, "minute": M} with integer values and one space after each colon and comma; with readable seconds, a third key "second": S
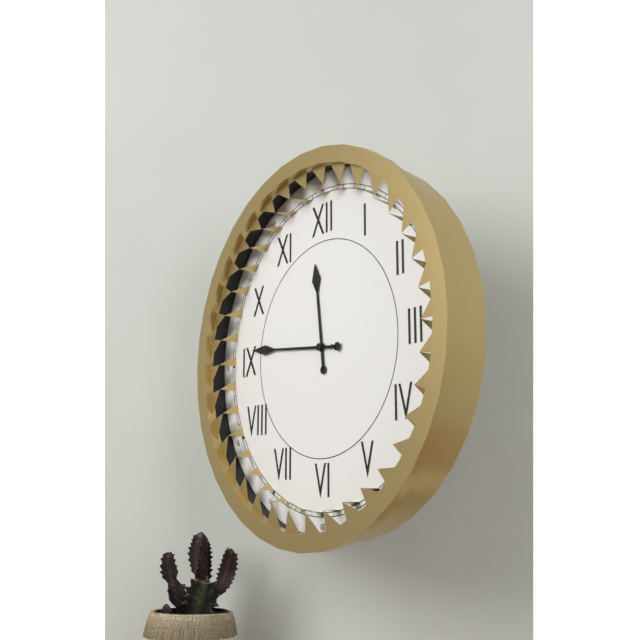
{"hour": 11, "minute": 46, "second": 46}
